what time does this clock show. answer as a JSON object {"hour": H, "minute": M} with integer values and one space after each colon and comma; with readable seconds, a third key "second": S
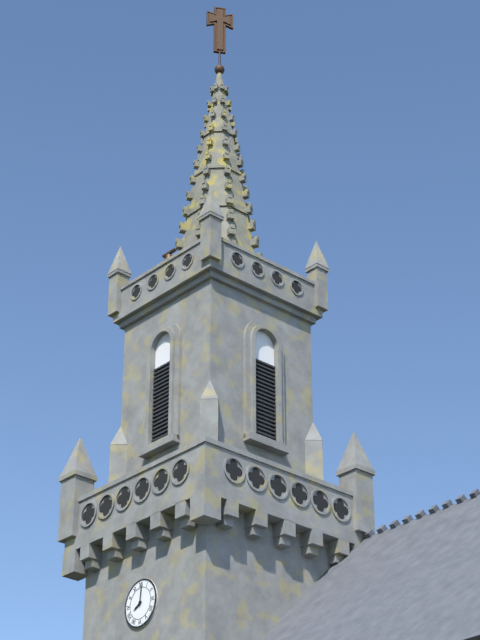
{"hour": 8, "minute": 1}
